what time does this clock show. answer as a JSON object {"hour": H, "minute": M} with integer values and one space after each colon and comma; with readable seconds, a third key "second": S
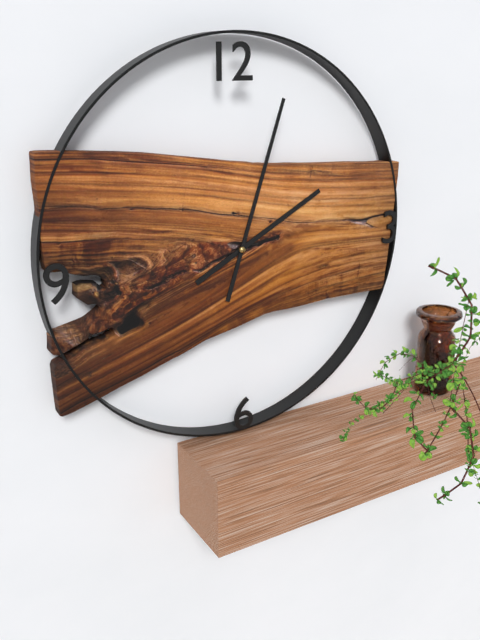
{"hour": 2, "minute": 3}
